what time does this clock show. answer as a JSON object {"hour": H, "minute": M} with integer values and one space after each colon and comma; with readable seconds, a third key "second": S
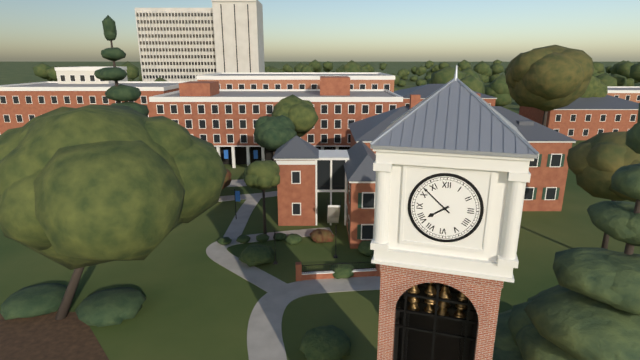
{"hour": 7, "minute": 52}
